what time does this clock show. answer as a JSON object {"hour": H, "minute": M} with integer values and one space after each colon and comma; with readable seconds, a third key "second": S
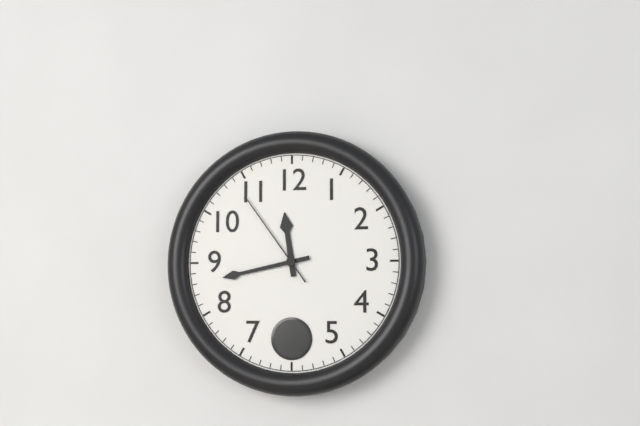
{"hour": 11, "minute": 43, "second": 54}
